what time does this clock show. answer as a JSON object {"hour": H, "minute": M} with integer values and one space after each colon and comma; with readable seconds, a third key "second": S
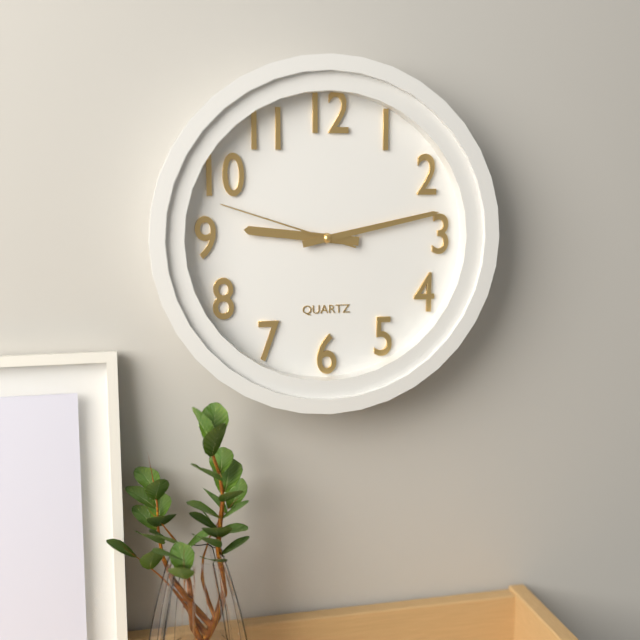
{"hour": 9, "minute": 13, "second": 48}
